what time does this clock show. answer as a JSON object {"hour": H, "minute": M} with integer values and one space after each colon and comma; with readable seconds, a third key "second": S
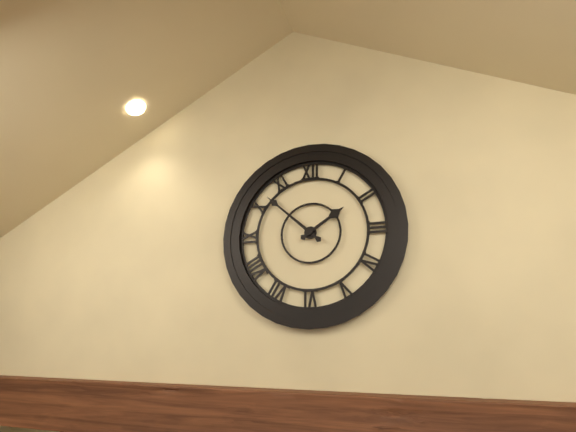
{"hour": 1, "minute": 52}
